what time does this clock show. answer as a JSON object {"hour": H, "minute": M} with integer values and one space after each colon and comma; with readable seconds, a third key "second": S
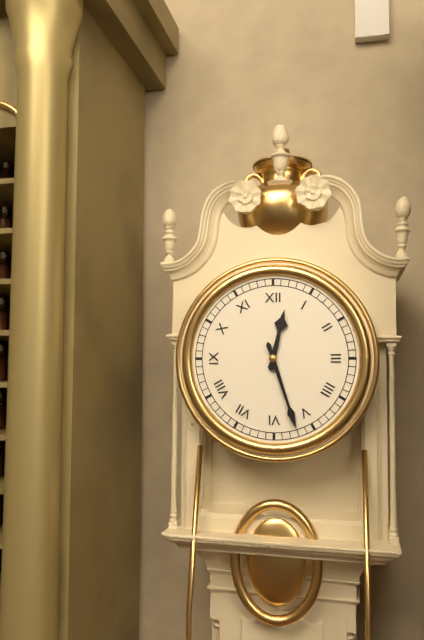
{"hour": 12, "minute": 27}
